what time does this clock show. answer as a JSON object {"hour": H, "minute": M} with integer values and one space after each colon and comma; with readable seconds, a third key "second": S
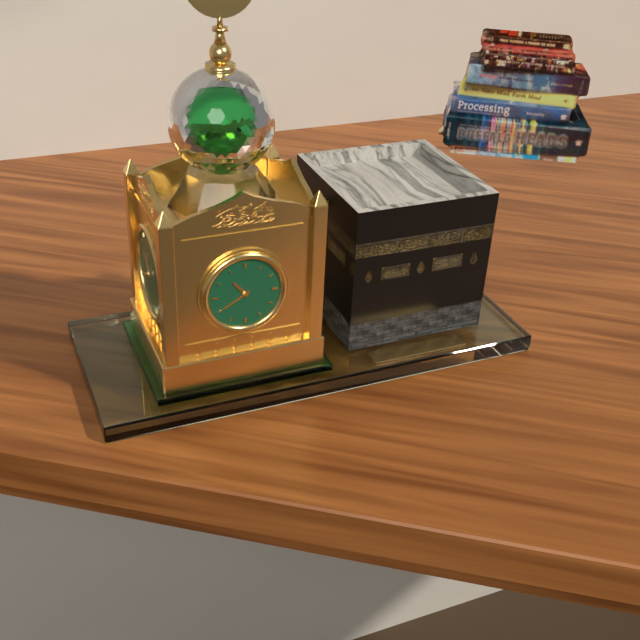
{"hour": 10, "minute": 40}
